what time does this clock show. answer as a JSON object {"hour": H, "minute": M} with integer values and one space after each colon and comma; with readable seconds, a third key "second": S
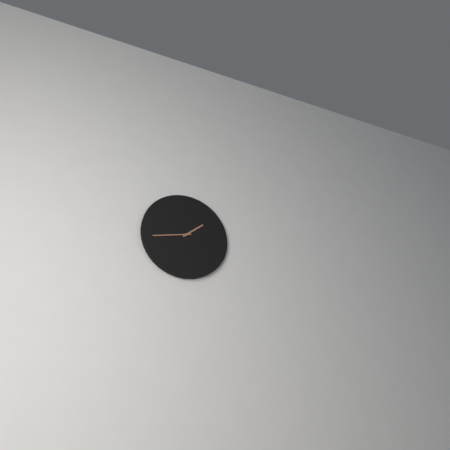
{"hour": 1, "minute": 43}
